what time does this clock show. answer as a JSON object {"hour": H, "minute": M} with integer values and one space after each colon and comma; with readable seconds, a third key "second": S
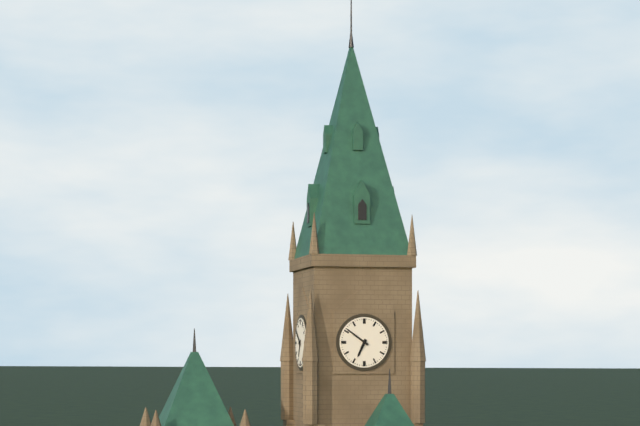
{"hour": 6, "minute": 51}
